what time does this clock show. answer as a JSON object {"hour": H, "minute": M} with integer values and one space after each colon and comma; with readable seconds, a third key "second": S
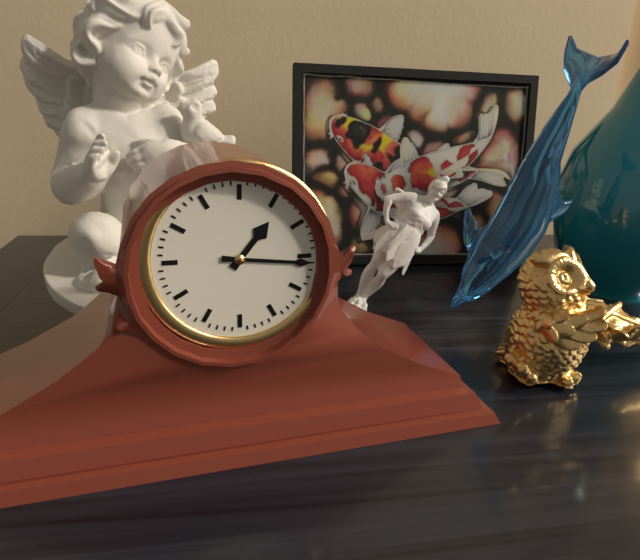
{"hour": 1, "minute": 16}
